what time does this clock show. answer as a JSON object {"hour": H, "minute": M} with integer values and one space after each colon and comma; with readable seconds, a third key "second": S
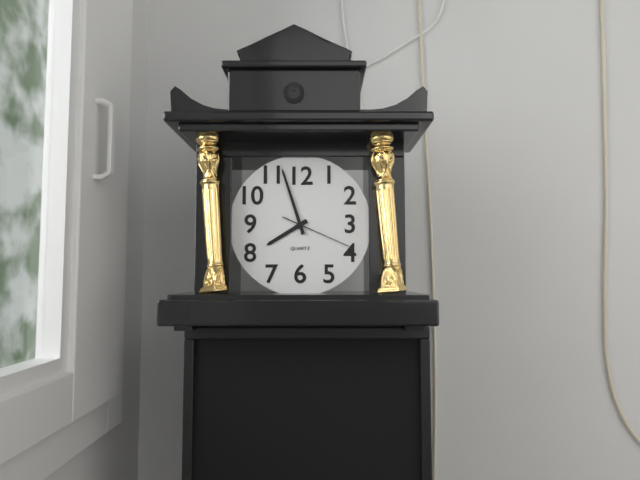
{"hour": 7, "minute": 57, "second": 19}
